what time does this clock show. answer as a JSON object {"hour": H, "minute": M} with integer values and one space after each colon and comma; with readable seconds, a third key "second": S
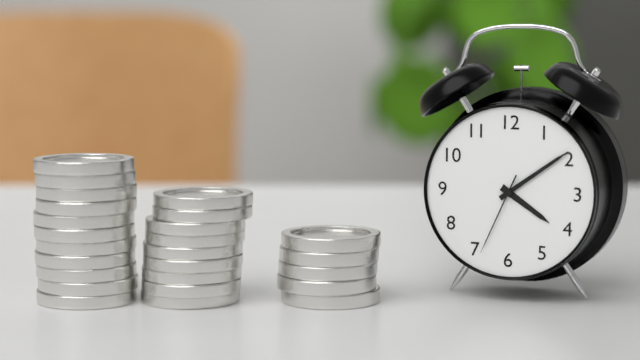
{"hour": 4, "minute": 9, "second": 34}
